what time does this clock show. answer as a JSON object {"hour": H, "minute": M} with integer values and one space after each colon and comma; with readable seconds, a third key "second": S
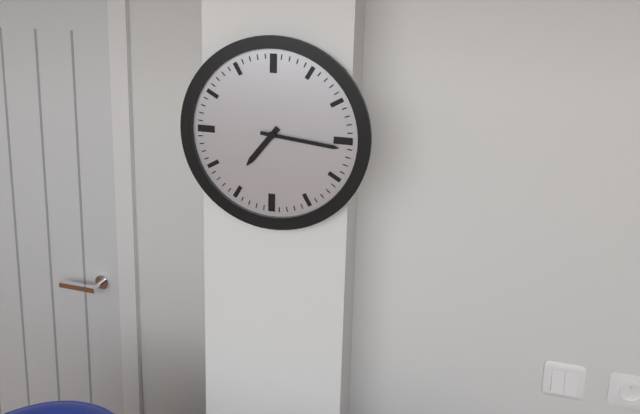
{"hour": 7, "minute": 16}
